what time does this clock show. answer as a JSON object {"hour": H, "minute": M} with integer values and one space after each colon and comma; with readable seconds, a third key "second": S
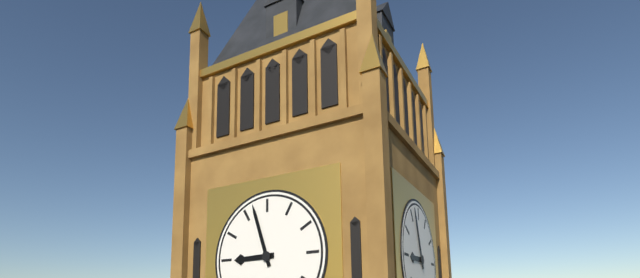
{"hour": 8, "minute": 57}
